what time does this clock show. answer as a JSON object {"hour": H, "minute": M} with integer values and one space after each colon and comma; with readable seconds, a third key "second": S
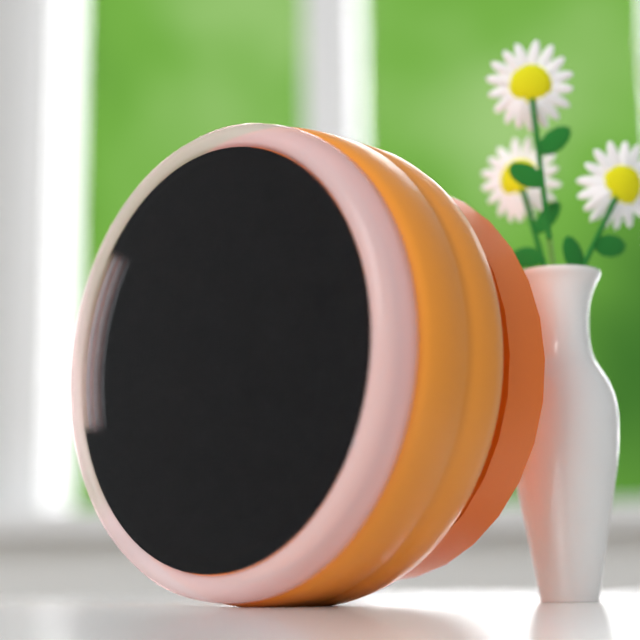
{"hour": 10, "minute": 34, "second": 4}
